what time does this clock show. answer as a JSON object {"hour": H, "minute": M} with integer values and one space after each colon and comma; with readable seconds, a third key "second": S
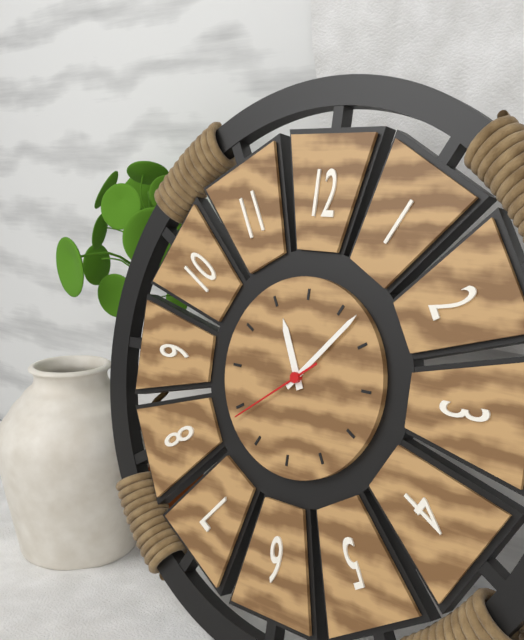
{"hour": 11, "minute": 7, "second": 39}
